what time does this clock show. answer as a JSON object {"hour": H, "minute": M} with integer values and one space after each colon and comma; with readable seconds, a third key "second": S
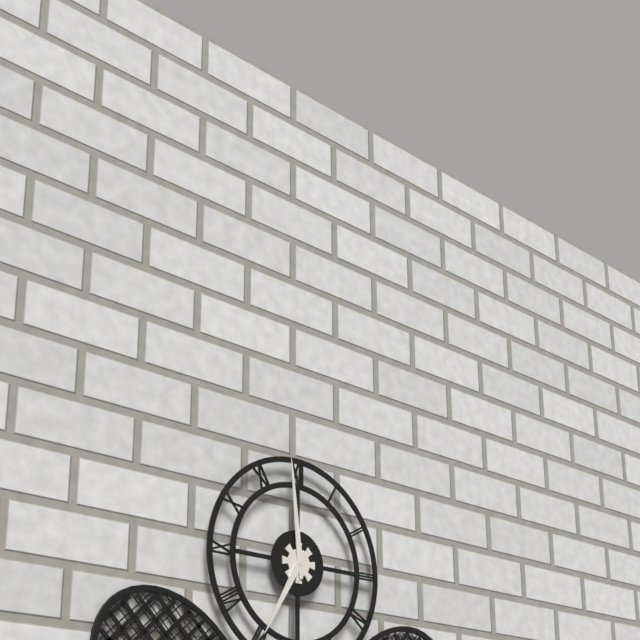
{"hour": 6, "minute": 59}
